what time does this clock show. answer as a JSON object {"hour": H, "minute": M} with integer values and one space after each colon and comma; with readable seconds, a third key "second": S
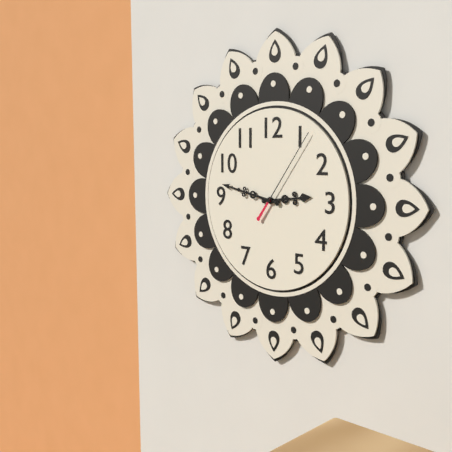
{"hour": 2, "minute": 47, "second": 6}
